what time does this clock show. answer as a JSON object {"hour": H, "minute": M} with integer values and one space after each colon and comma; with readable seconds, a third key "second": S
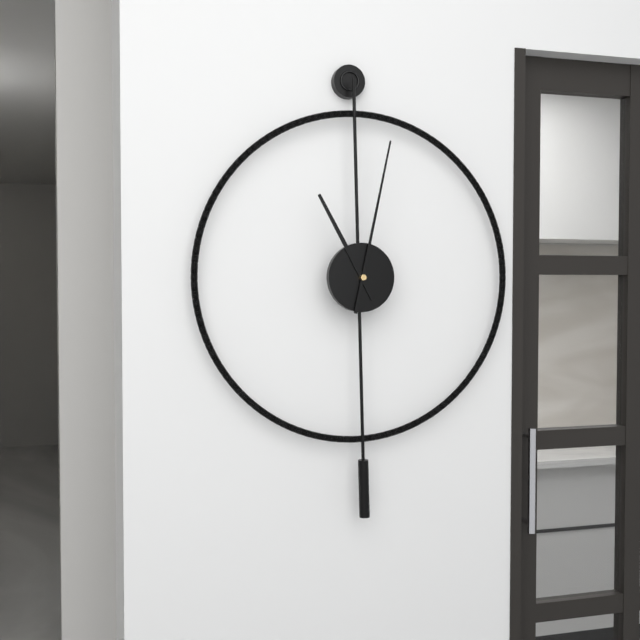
{"hour": 11, "minute": 2}
